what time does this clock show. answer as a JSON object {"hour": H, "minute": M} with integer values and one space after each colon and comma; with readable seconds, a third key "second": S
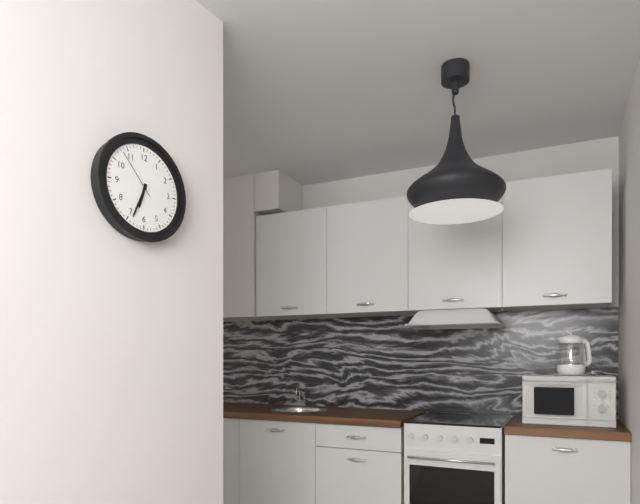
{"hour": 6, "minute": 34, "second": 53}
